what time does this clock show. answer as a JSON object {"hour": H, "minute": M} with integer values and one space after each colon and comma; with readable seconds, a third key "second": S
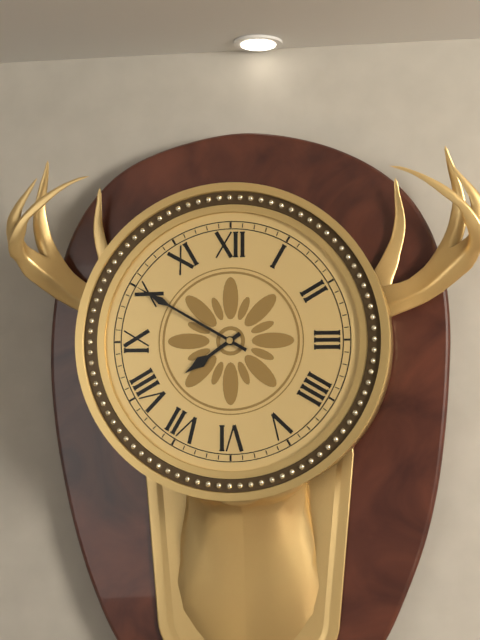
{"hour": 7, "minute": 50}
